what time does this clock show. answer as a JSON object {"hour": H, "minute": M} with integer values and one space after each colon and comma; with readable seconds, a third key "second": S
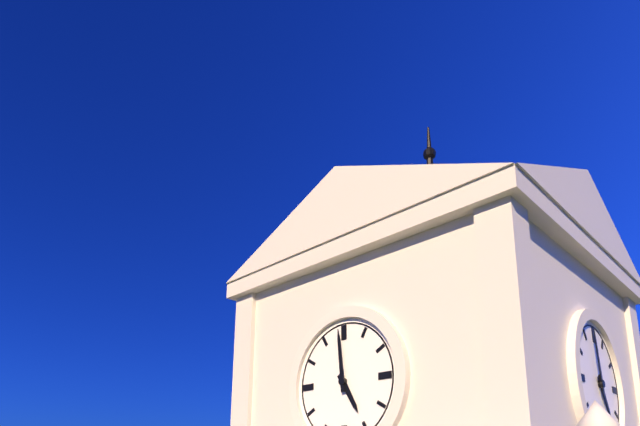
{"hour": 4, "minute": 59}
